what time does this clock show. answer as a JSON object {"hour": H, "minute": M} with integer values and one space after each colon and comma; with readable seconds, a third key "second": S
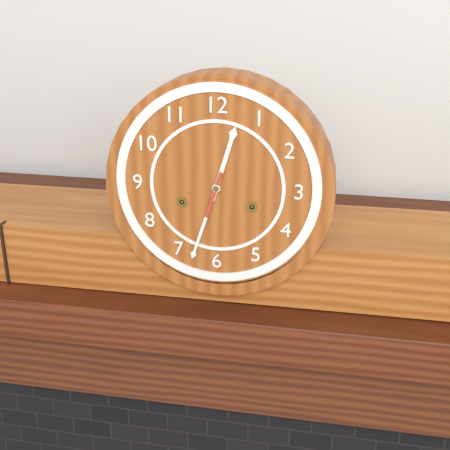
{"hour": 12, "minute": 33}
